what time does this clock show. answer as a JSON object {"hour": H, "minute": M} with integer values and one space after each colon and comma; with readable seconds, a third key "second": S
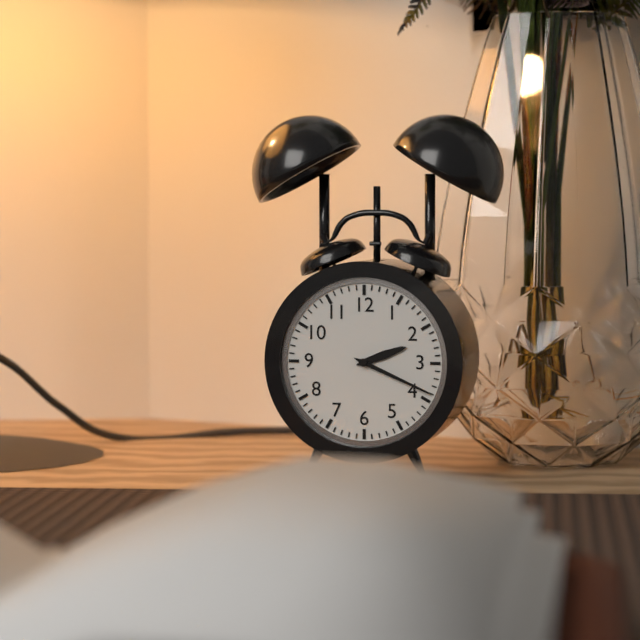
{"hour": 2, "minute": 19}
